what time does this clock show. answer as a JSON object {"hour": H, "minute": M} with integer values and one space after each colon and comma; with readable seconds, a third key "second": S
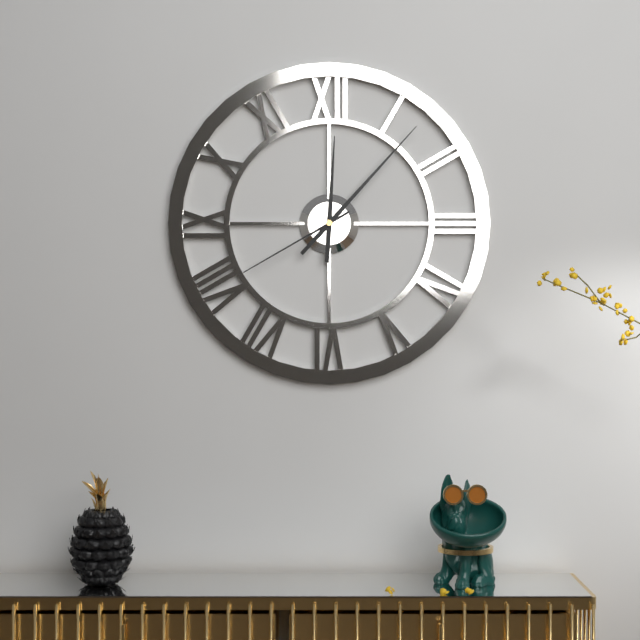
{"hour": 12, "minute": 7, "second": 40}
